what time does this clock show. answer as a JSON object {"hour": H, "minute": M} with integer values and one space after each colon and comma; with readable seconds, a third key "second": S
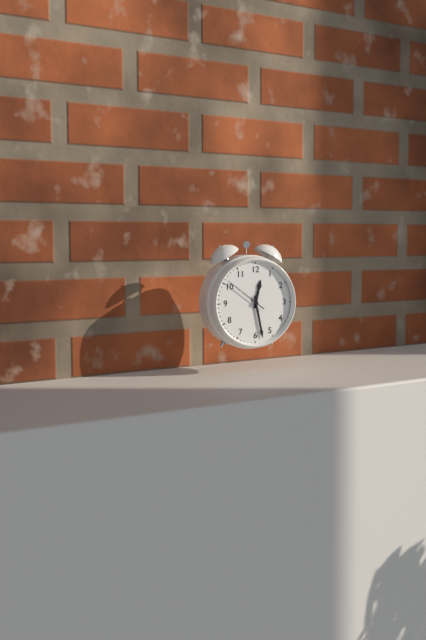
{"hour": 12, "minute": 28}
